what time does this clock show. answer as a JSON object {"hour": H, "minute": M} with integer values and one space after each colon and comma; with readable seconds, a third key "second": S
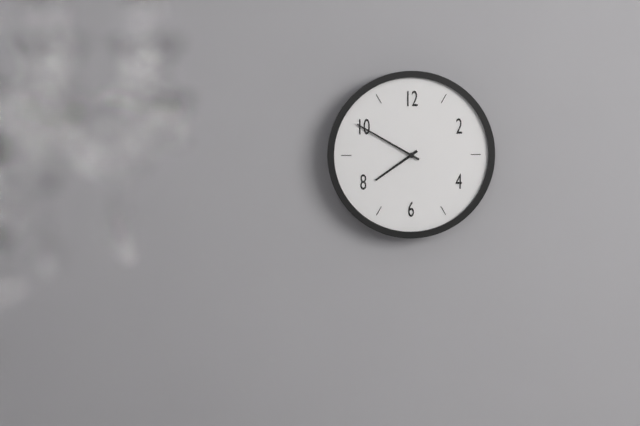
{"hour": 7, "minute": 50}
